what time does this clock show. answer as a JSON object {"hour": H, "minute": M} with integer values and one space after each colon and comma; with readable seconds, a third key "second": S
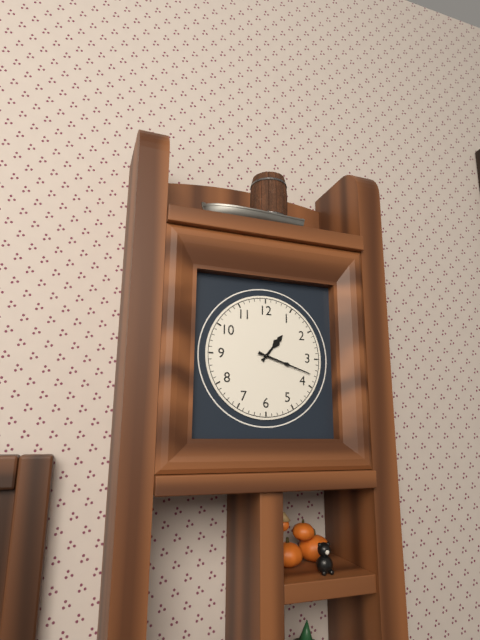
{"hour": 1, "minute": 18}
